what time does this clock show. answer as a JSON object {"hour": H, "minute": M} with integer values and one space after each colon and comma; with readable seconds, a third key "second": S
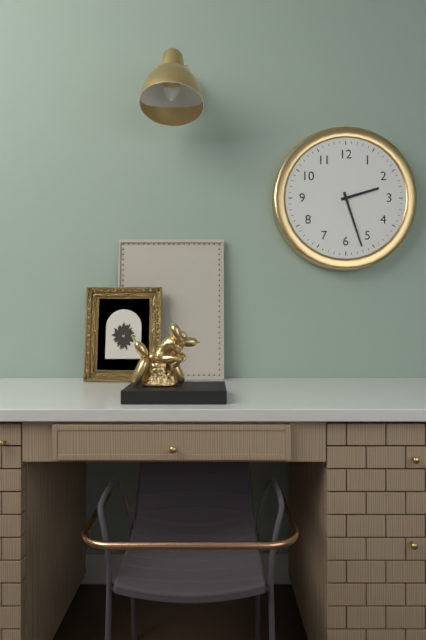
{"hour": 2, "minute": 27}
